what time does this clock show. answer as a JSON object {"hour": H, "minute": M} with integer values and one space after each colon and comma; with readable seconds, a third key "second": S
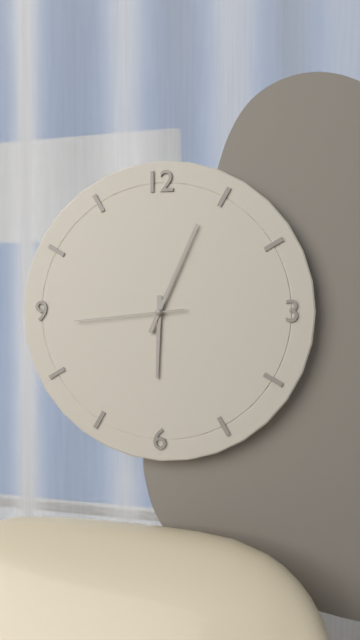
{"hour": 6, "minute": 4, "second": 44}
